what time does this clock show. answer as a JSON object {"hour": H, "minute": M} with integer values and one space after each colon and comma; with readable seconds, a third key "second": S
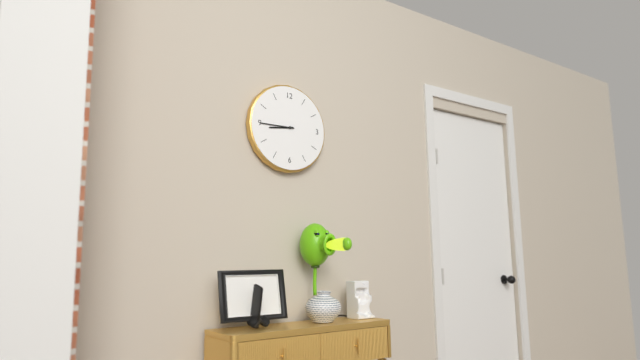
{"hour": 8, "minute": 45}
